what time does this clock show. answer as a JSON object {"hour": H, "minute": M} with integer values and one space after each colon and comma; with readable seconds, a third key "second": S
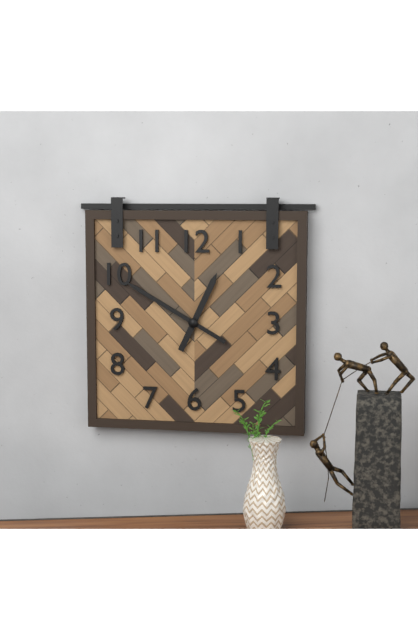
{"hour": 12, "minute": 50}
